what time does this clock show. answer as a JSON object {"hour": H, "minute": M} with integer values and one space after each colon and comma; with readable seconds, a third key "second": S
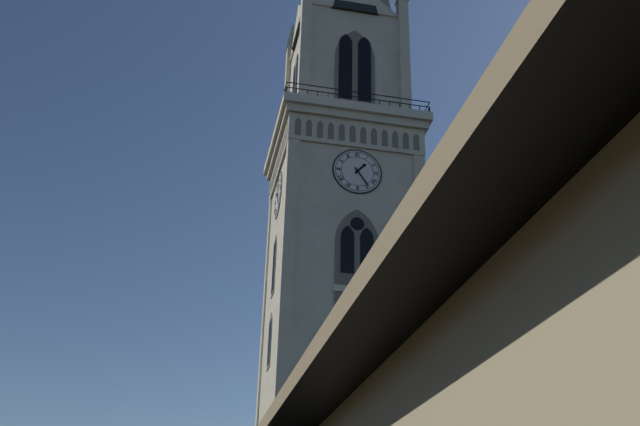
{"hour": 1, "minute": 24}
